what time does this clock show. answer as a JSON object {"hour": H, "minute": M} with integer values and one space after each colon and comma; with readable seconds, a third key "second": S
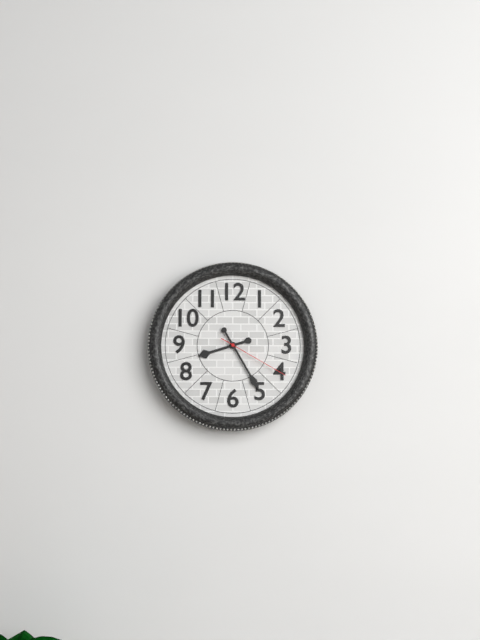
{"hour": 8, "minute": 25, "second": 20}
